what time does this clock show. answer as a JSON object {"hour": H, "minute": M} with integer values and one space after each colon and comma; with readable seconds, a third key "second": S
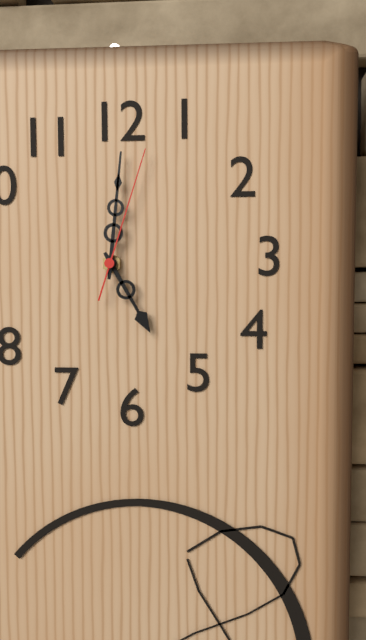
{"hour": 5, "minute": 1, "second": 3}
